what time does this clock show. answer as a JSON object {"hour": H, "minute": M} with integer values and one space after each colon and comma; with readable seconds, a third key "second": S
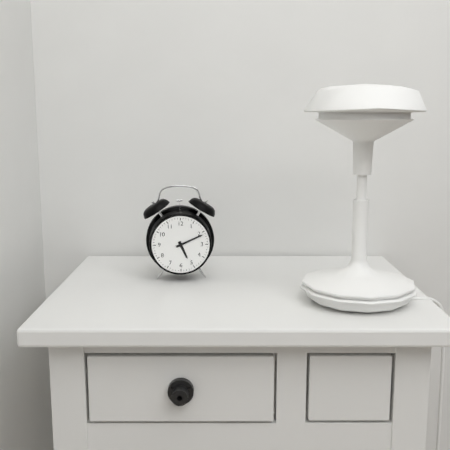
{"hour": 5, "minute": 11}
